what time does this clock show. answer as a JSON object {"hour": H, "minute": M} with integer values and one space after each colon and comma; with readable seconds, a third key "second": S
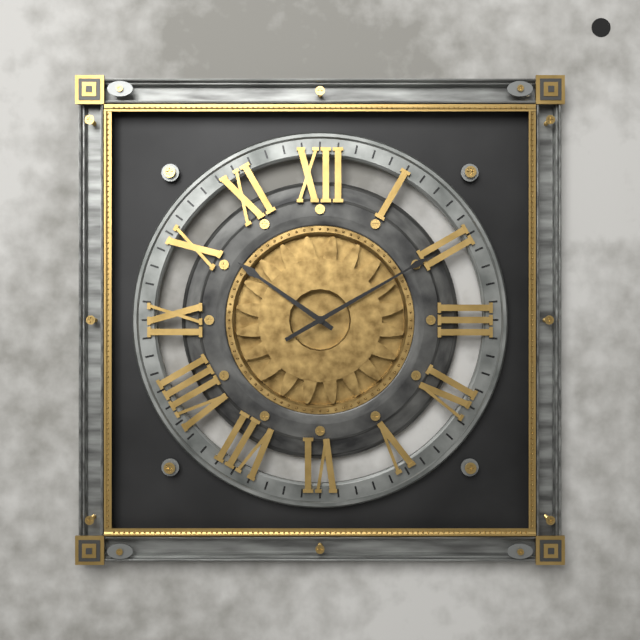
{"hour": 10, "minute": 10}
